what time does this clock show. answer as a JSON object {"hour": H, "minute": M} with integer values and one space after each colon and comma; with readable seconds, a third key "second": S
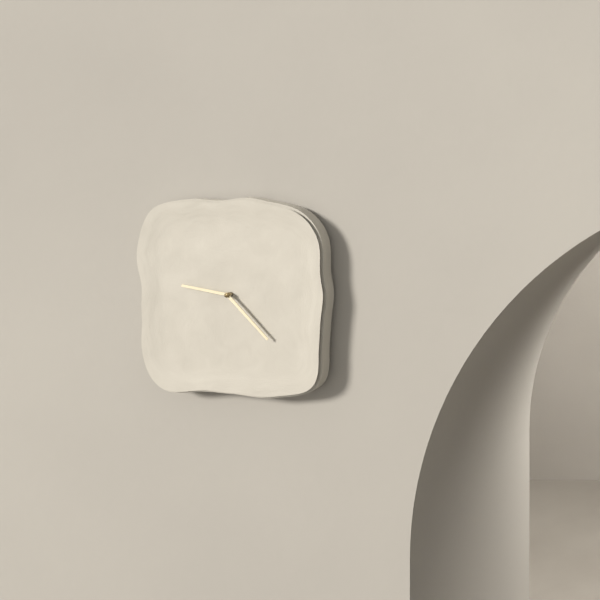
{"hour": 9, "minute": 23}
